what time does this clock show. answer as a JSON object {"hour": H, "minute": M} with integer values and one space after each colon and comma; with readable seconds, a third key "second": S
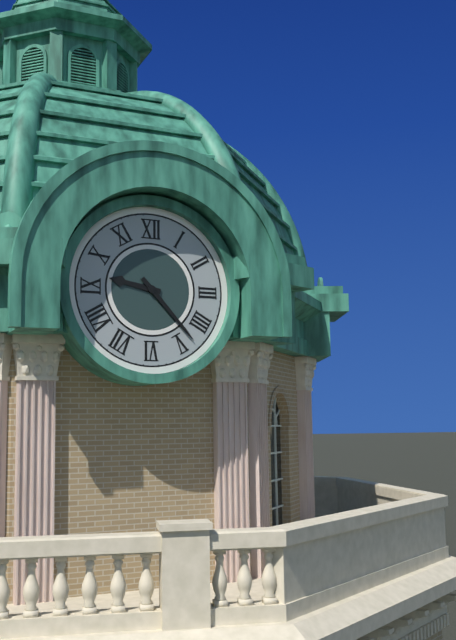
{"hour": 9, "minute": 23}
